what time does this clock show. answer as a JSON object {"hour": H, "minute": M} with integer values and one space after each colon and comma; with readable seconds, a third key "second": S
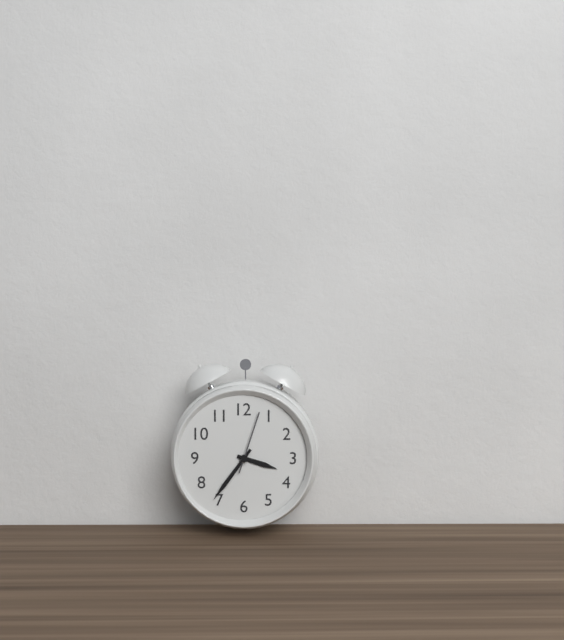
{"hour": 3, "minute": 36, "second": 3}
